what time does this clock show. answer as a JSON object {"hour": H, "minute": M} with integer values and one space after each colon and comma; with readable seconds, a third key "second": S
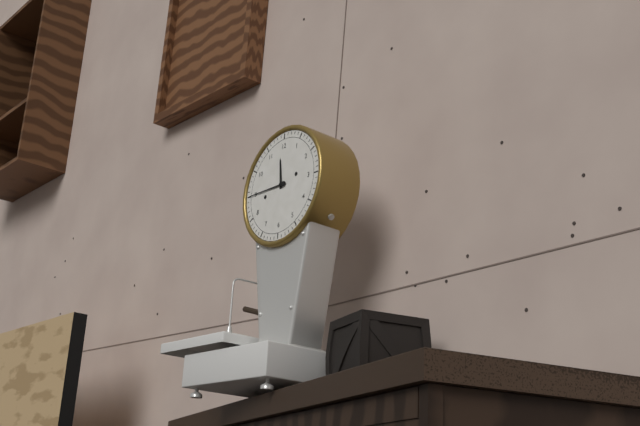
{"hour": 11, "minute": 45}
